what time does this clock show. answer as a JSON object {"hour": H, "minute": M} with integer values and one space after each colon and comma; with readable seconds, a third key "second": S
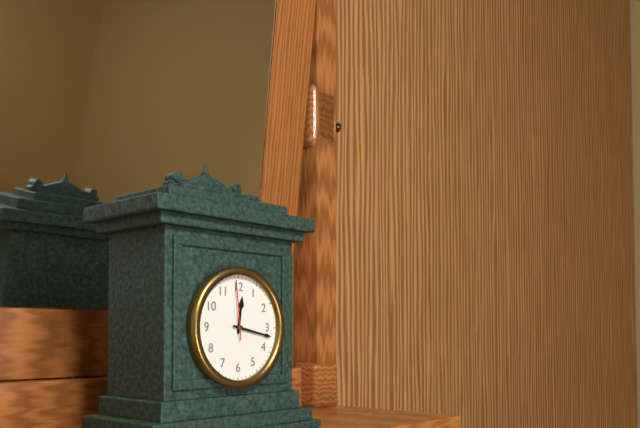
{"hour": 12, "minute": 17, "second": 59}
